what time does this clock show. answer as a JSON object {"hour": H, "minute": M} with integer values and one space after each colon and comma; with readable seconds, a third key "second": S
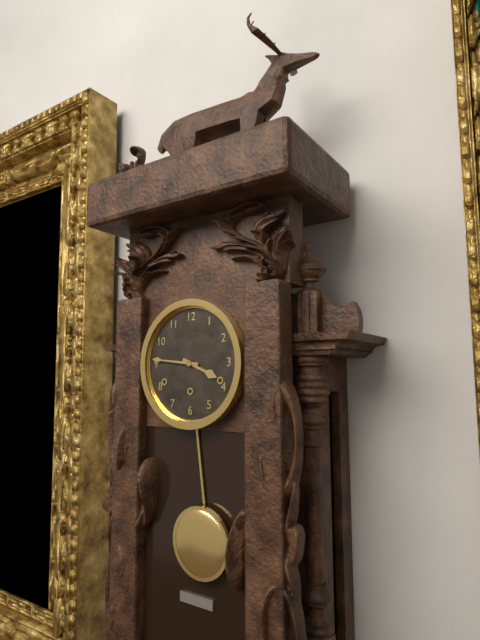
{"hour": 3, "minute": 46}
